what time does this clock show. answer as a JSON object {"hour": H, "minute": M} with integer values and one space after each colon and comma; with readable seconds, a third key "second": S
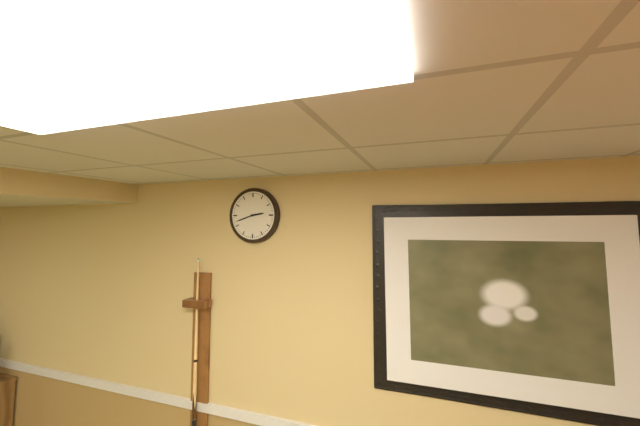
{"hour": 2, "minute": 42}
